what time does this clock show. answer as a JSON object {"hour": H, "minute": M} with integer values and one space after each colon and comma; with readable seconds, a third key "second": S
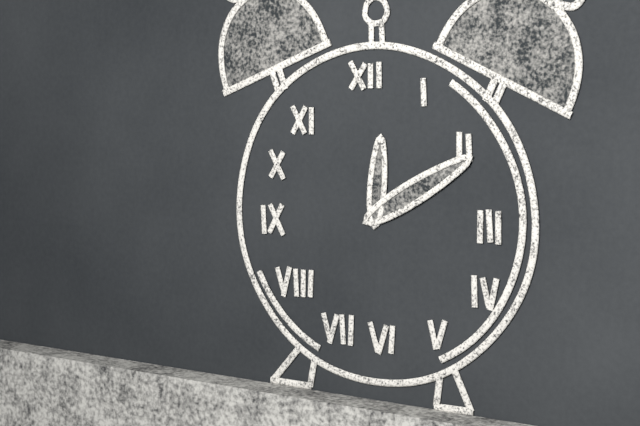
{"hour": 12, "minute": 10}
